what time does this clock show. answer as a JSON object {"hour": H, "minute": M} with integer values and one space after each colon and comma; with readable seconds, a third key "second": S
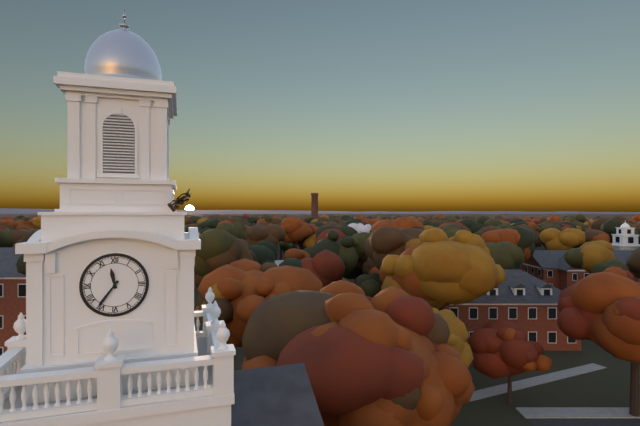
{"hour": 11, "minute": 36}
